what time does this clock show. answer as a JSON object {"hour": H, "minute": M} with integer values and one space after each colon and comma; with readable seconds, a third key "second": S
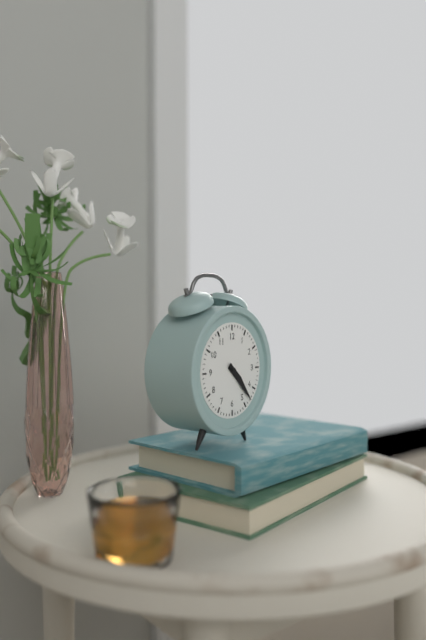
{"hour": 4, "minute": 23}
